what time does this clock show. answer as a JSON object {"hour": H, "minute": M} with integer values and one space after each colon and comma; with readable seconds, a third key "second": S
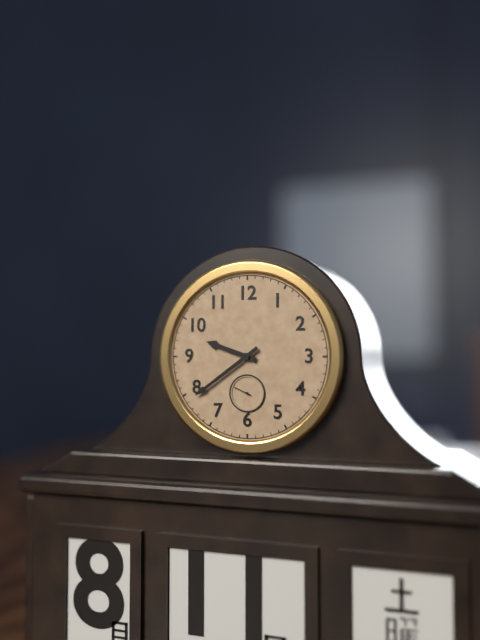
{"hour": 9, "minute": 39}
